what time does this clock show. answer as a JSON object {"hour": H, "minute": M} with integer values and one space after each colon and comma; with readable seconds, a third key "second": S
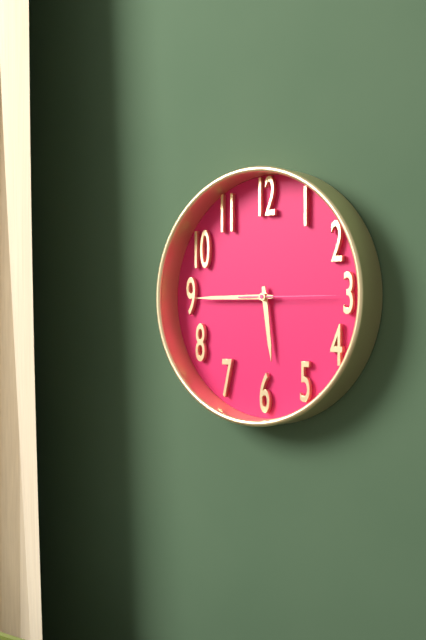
{"hour": 5, "minute": 45, "second": 15}
